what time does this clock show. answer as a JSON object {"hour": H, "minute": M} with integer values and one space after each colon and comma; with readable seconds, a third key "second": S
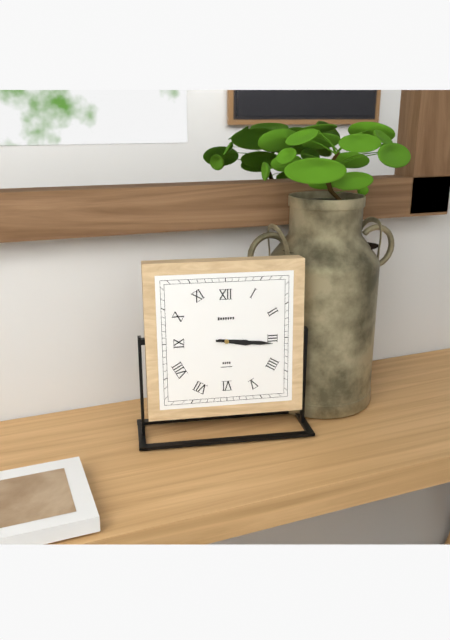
{"hour": 3, "minute": 16}
